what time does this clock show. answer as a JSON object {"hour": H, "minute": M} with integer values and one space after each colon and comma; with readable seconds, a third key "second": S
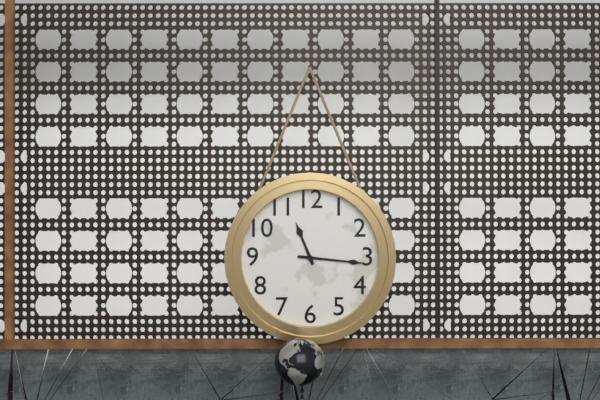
{"hour": 11, "minute": 16}
